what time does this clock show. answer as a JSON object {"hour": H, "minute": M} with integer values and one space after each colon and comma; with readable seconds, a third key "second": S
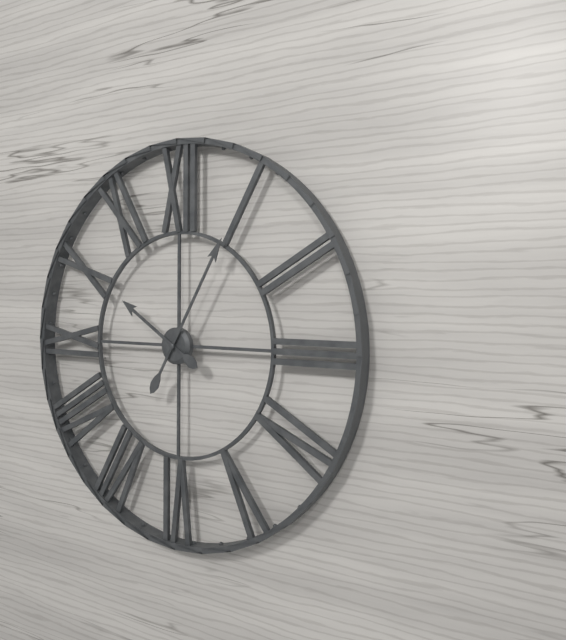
{"hour": 10, "minute": 5}
